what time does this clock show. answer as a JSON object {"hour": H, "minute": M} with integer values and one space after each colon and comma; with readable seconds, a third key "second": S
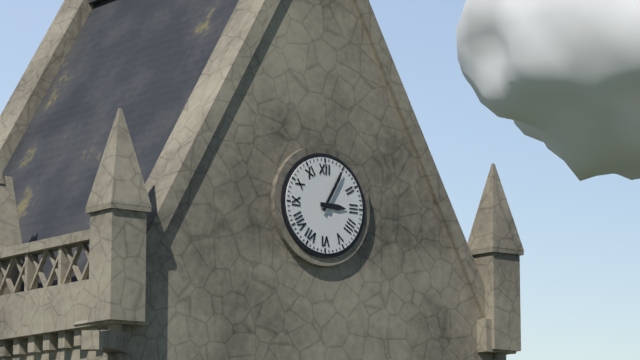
{"hour": 3, "minute": 5}
